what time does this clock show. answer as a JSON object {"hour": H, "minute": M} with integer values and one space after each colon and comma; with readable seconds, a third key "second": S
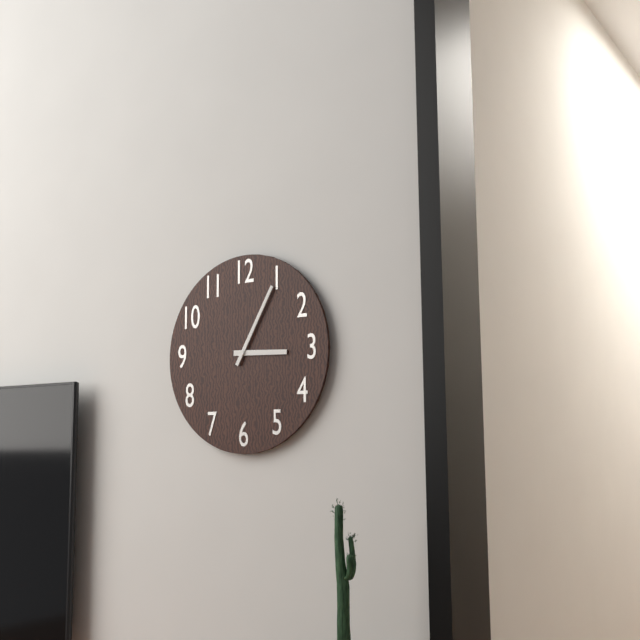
{"hour": 3, "minute": 5}
